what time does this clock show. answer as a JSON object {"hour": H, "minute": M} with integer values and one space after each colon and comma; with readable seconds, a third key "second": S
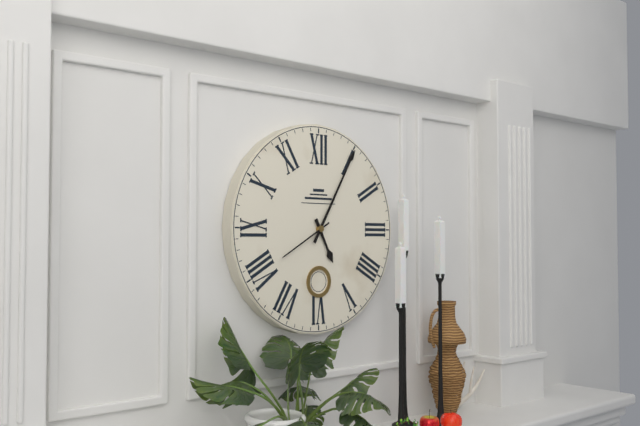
{"hour": 5, "minute": 5, "second": 40}
